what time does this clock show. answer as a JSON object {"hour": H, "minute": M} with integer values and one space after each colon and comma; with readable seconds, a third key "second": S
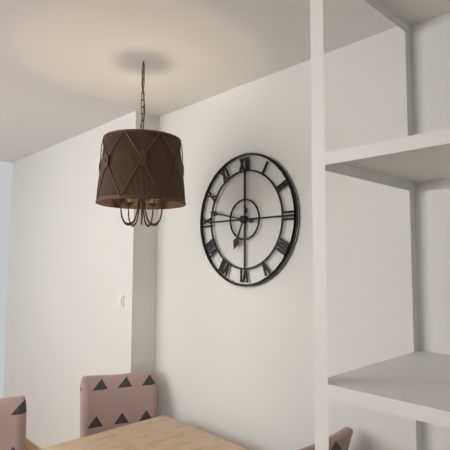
{"hour": 6, "minute": 47}
